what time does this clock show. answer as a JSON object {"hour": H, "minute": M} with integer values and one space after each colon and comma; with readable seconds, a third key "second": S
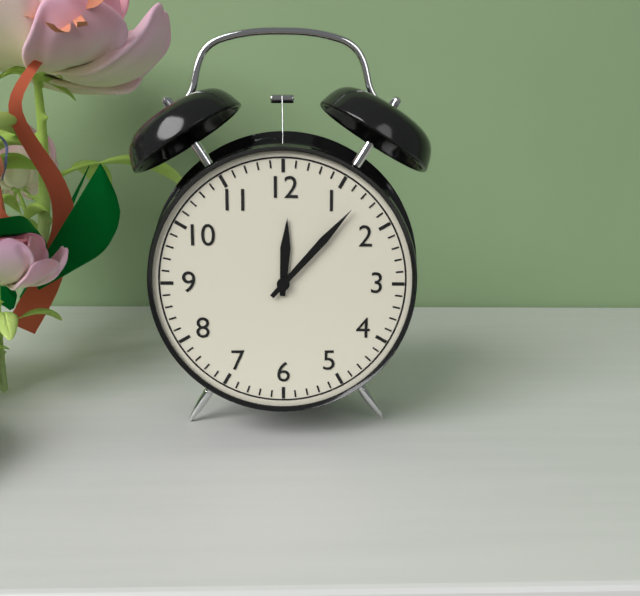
{"hour": 12, "minute": 7}
